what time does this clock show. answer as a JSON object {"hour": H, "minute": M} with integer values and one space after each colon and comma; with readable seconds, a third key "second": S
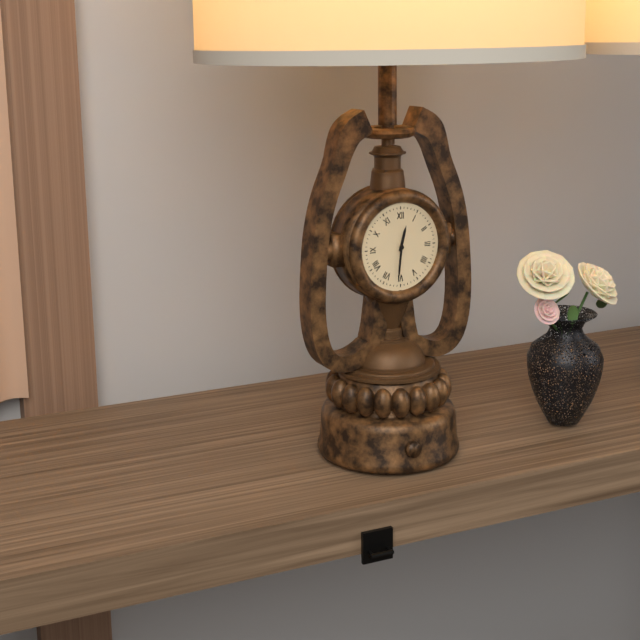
{"hour": 12, "minute": 31}
